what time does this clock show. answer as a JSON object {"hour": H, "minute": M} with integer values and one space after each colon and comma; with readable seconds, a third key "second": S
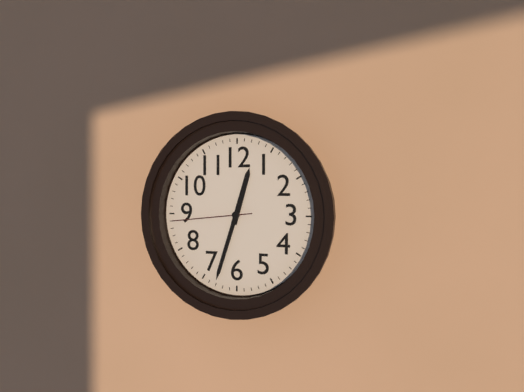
{"hour": 12, "minute": 33, "second": 44}
